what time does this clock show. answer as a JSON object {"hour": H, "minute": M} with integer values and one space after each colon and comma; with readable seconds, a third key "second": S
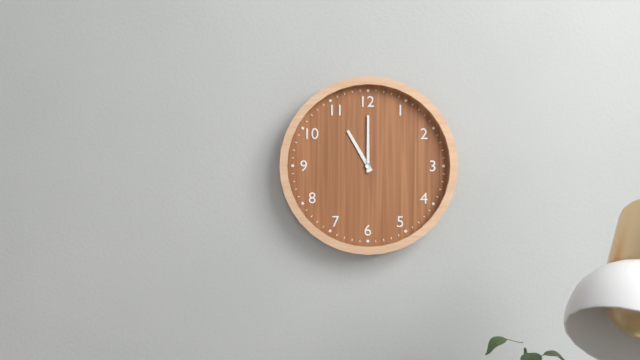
{"hour": 11, "minute": 0}
